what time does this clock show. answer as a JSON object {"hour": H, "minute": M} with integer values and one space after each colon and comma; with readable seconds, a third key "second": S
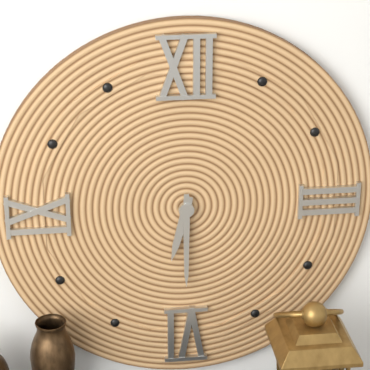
{"hour": 6, "minute": 30}
